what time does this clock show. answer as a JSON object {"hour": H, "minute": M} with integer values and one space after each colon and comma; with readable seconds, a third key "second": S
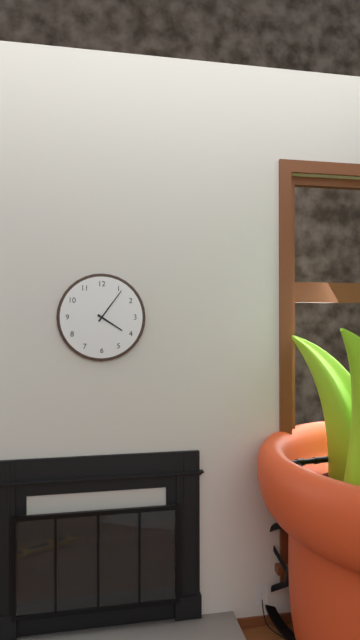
{"hour": 4, "minute": 6}
